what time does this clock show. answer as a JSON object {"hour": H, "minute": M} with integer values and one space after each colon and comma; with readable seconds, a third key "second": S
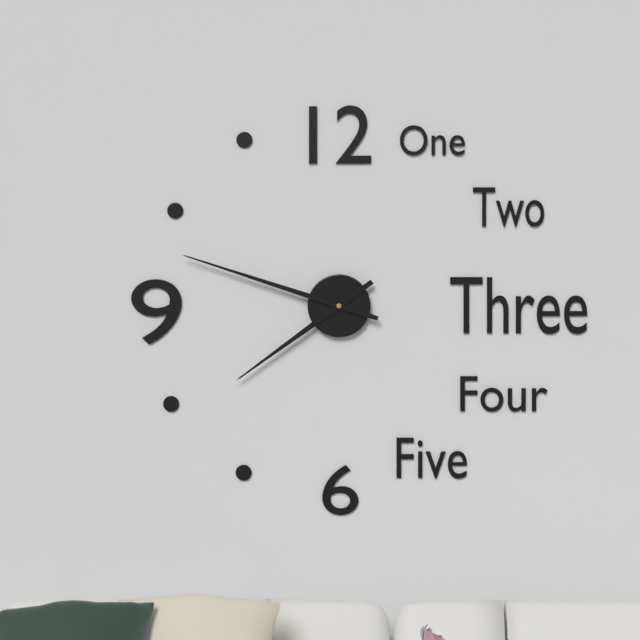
{"hour": 7, "minute": 48}
